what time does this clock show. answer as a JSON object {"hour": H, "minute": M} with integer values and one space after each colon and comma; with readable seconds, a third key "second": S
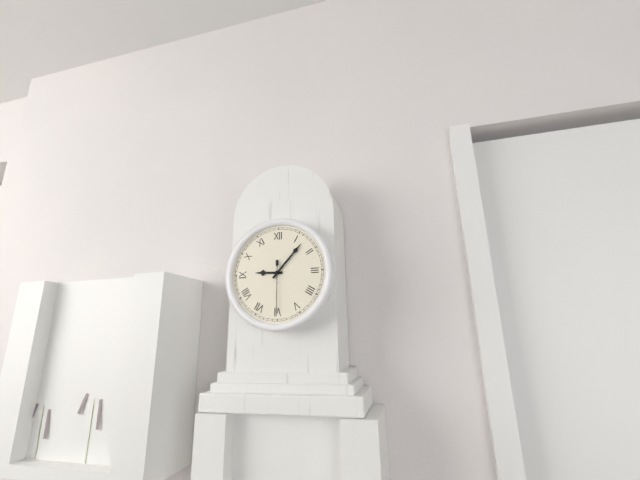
{"hour": 9, "minute": 7, "second": 30}
